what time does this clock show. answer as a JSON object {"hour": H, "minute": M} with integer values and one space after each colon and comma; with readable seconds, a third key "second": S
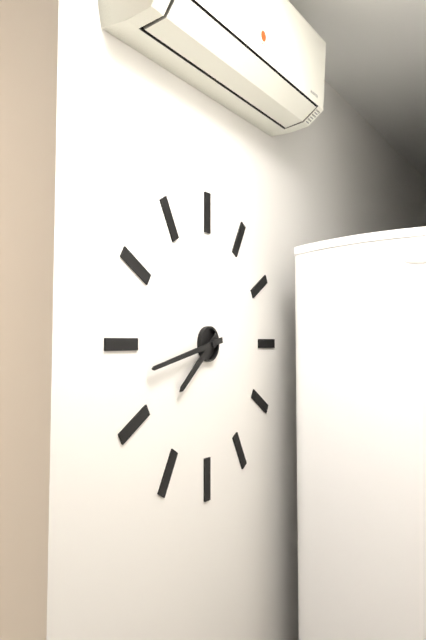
{"hour": 7, "minute": 43}
